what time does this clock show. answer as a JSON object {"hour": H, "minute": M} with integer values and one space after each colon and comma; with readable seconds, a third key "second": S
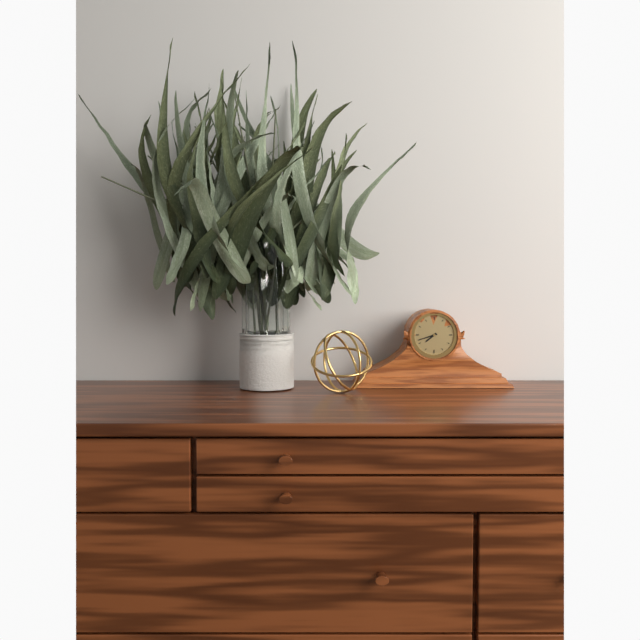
{"hour": 7, "minute": 42}
